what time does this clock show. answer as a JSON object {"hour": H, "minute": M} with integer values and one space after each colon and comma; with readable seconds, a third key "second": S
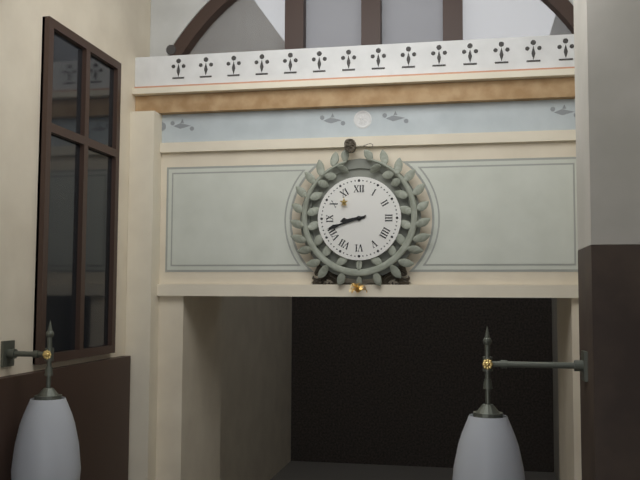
{"hour": 8, "minute": 42}
